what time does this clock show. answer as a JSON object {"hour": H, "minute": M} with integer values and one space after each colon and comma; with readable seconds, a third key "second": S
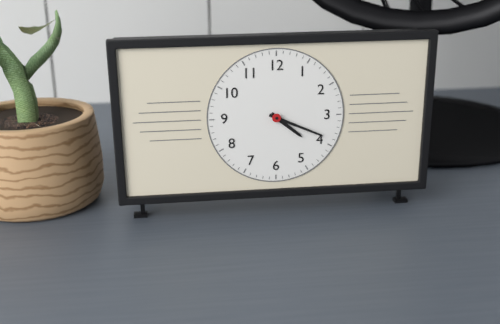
{"hour": 4, "minute": 19}
